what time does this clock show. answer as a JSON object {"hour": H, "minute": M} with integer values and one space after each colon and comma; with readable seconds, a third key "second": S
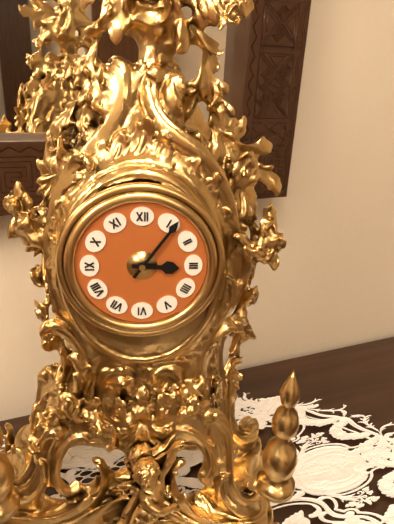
{"hour": 3, "minute": 6}
